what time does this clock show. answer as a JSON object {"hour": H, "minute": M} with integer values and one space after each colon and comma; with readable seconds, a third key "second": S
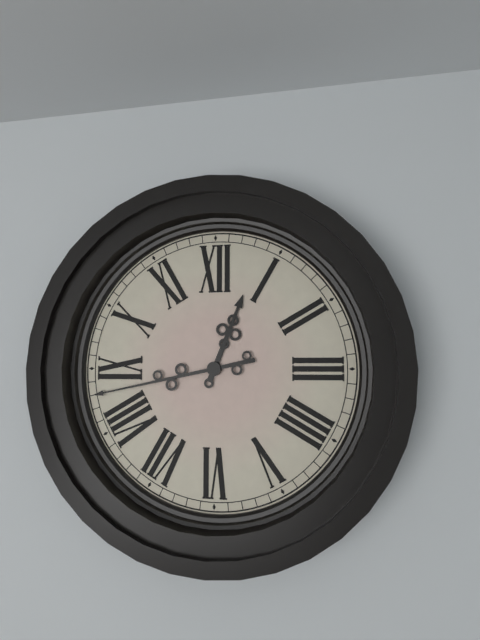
{"hour": 12, "minute": 43}
